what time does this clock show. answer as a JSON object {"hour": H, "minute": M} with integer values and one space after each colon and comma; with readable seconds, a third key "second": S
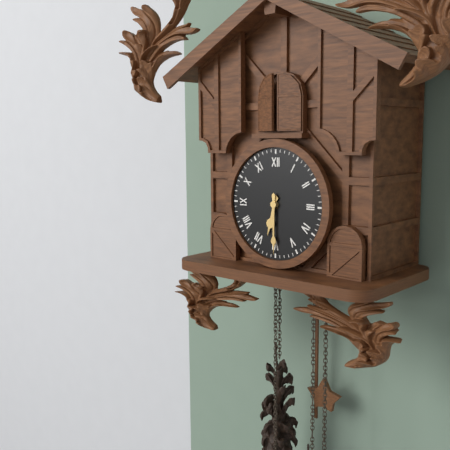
{"hour": 6, "minute": 30}
